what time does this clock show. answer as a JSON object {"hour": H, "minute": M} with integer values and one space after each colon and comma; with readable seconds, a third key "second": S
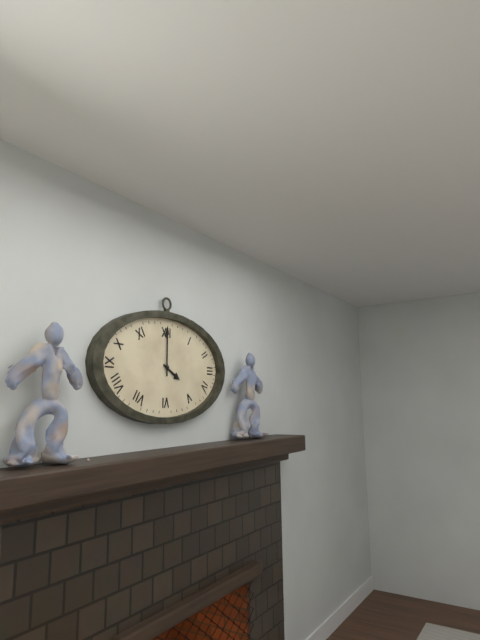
{"hour": 4, "minute": 0}
